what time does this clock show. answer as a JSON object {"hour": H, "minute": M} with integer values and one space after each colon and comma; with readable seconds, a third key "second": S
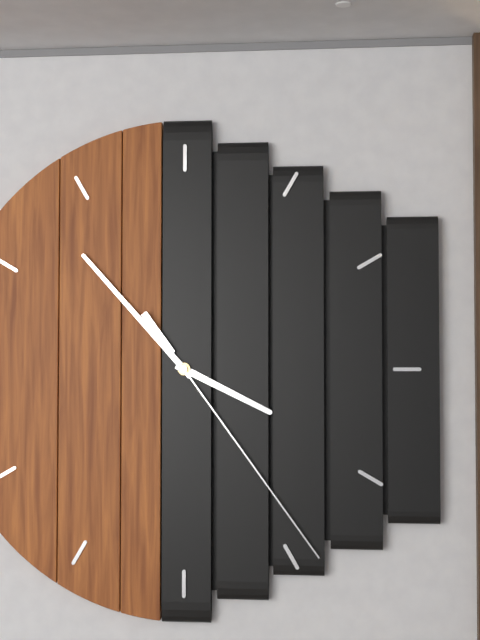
{"hour": 3, "minute": 53, "second": 24}
